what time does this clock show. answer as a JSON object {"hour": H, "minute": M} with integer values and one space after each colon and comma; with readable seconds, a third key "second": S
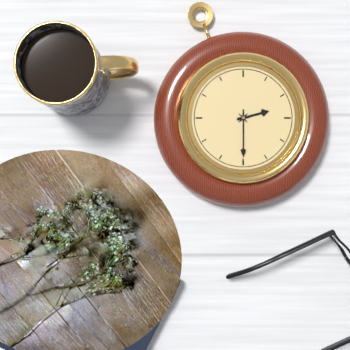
{"hour": 2, "minute": 30}
